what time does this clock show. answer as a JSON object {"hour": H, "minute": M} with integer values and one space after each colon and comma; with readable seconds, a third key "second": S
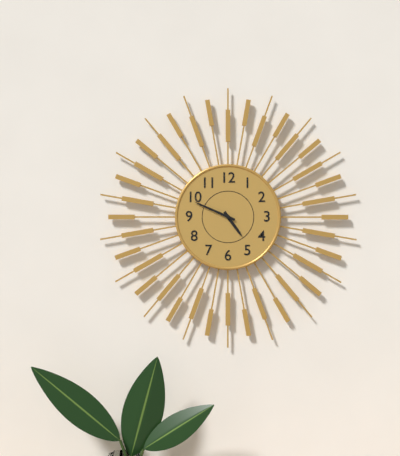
{"hour": 4, "minute": 49}
